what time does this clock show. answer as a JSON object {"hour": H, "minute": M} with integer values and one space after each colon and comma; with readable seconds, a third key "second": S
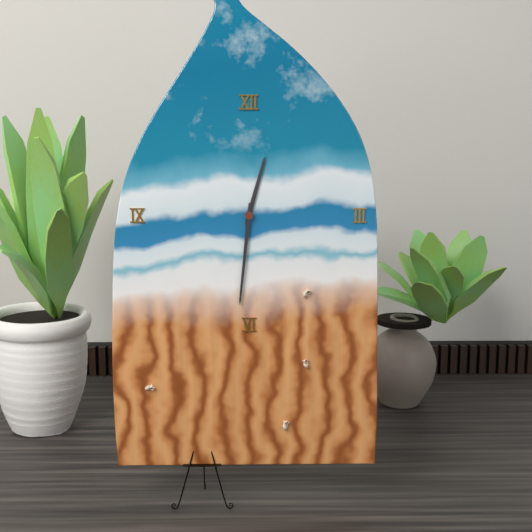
{"hour": 12, "minute": 31}
